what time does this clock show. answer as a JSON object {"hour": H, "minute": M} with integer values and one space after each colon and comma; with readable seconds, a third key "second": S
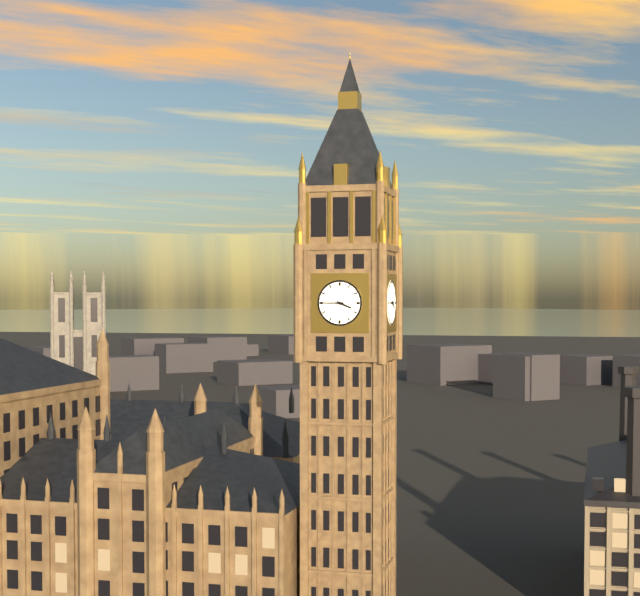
{"hour": 3, "minute": 45}
